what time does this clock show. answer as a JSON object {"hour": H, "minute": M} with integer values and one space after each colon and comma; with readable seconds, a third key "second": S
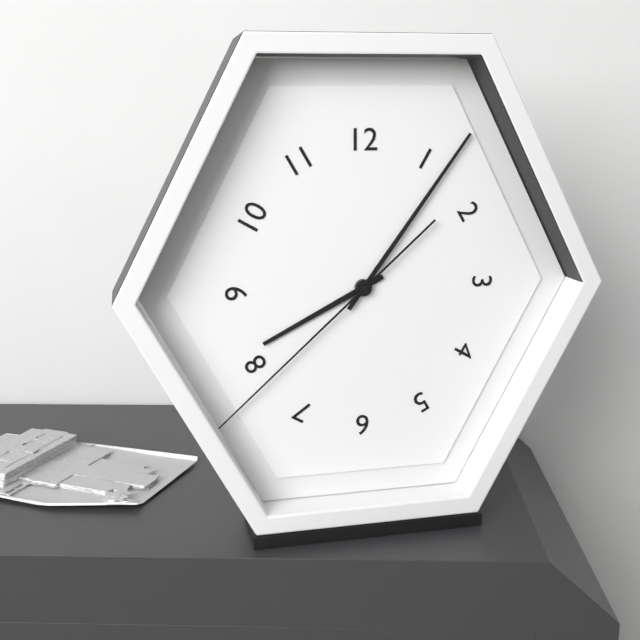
{"hour": 8, "minute": 6, "second": 38}
